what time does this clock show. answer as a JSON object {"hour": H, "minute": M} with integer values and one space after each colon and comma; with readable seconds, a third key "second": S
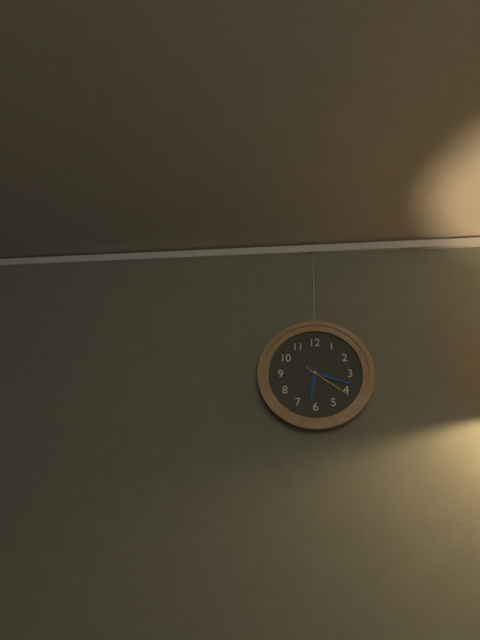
{"hour": 6, "minute": 18, "second": 21}
